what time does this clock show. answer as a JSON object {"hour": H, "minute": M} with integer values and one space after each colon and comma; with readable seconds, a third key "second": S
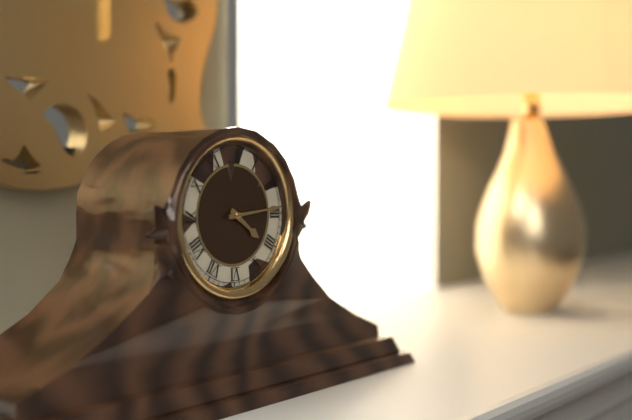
{"hour": 4, "minute": 14}
